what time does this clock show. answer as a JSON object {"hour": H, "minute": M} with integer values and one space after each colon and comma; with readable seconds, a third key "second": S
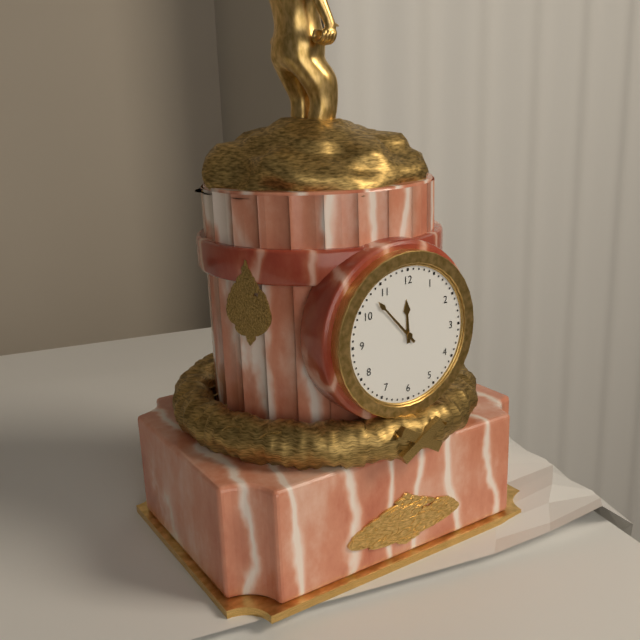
{"hour": 11, "minute": 53}
